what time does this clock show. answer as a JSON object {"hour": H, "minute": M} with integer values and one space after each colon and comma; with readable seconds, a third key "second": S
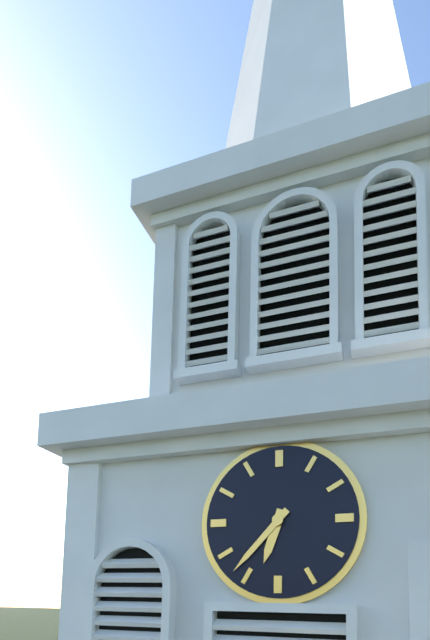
{"hour": 6, "minute": 37}
